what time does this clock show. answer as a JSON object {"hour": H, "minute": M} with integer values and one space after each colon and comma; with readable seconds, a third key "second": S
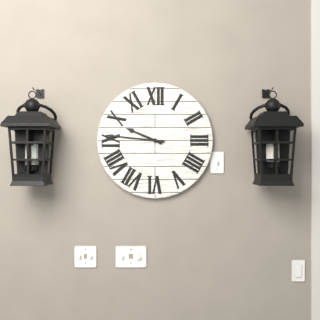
{"hour": 9, "minute": 46}
